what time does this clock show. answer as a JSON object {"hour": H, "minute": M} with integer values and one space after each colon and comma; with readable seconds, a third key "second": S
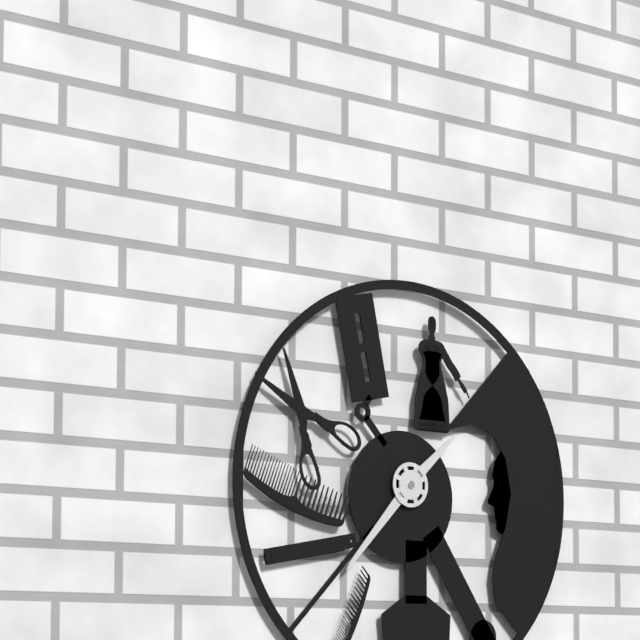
{"hour": 1, "minute": 37}
